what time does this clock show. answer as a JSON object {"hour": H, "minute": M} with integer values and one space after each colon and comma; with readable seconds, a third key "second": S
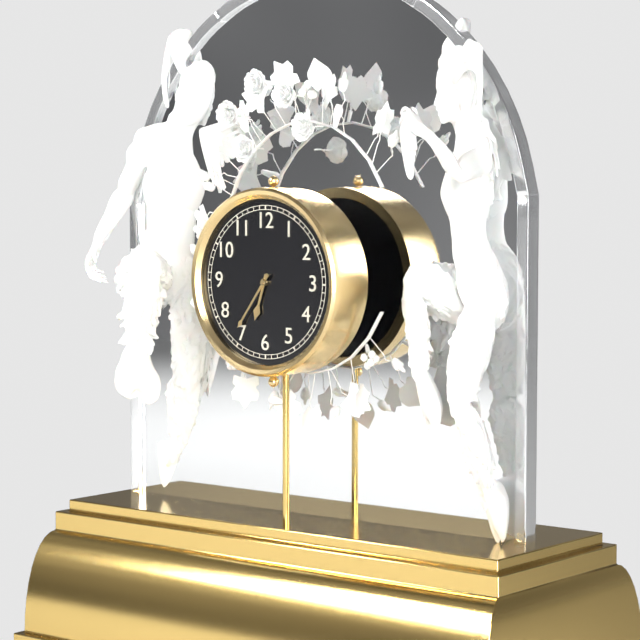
{"hour": 6, "minute": 36}
